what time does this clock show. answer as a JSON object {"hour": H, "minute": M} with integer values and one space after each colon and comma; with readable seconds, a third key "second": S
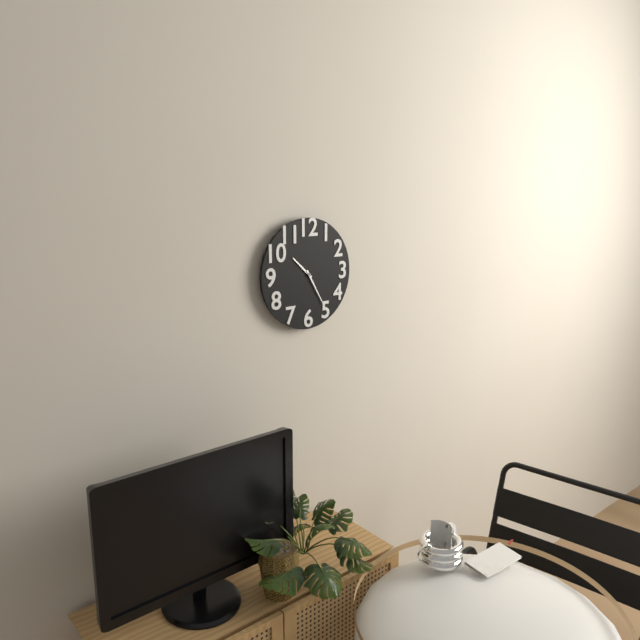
{"hour": 10, "minute": 25}
